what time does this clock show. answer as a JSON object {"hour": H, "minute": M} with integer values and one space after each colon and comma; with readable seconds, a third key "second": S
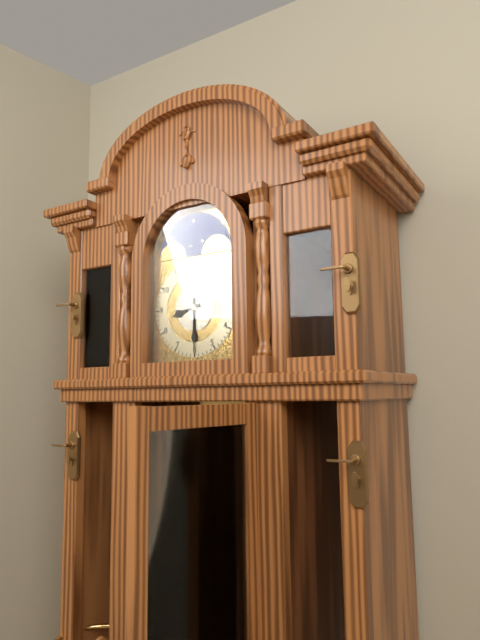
{"hour": 8, "minute": 30}
